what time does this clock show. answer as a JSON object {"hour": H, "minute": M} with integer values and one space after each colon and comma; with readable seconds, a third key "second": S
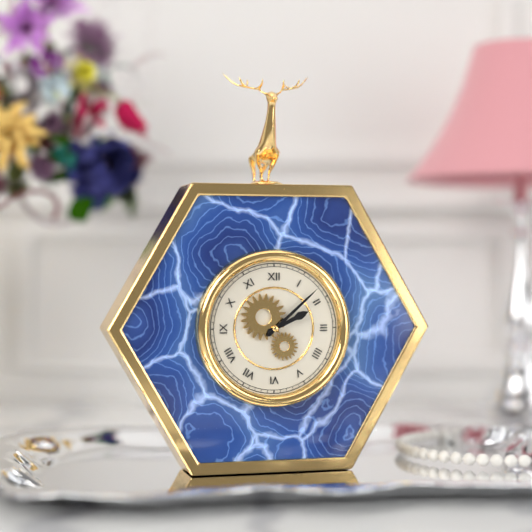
{"hour": 2, "minute": 8}
